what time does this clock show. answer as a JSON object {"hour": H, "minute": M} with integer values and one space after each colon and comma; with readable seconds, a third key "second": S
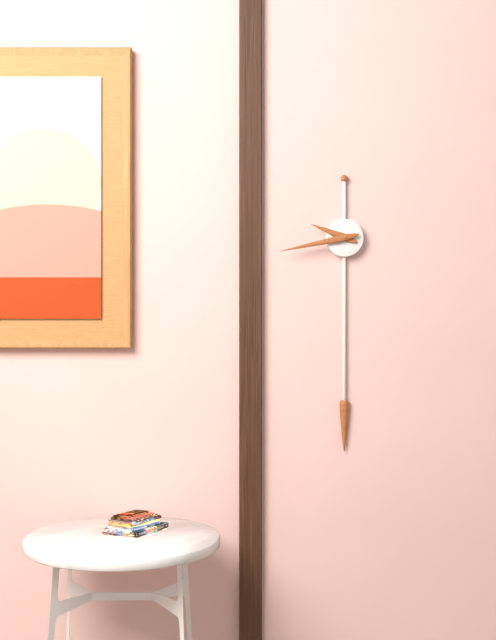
{"hour": 9, "minute": 43}
